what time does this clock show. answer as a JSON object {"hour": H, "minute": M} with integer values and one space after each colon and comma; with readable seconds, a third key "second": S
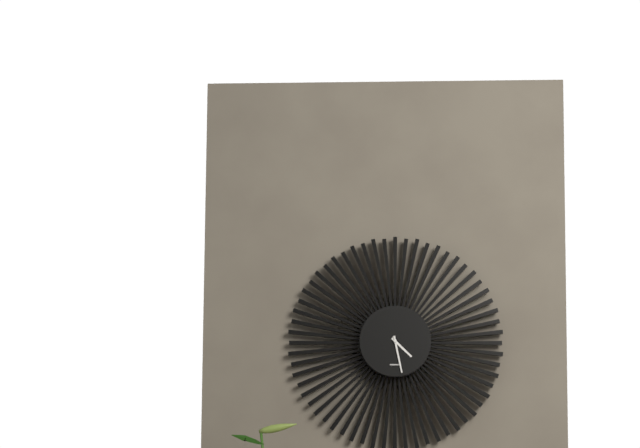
{"hour": 4, "minute": 28}
